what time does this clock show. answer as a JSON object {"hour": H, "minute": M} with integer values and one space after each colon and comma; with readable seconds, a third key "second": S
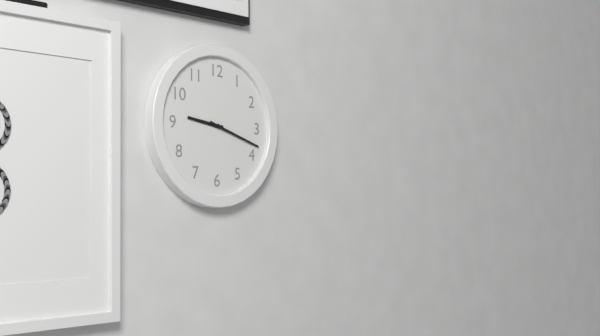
{"hour": 9, "minute": 18}
